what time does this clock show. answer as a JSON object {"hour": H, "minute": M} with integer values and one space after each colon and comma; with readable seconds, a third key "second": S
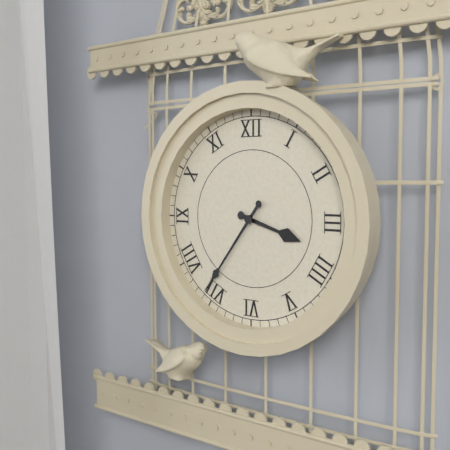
{"hour": 3, "minute": 36}
